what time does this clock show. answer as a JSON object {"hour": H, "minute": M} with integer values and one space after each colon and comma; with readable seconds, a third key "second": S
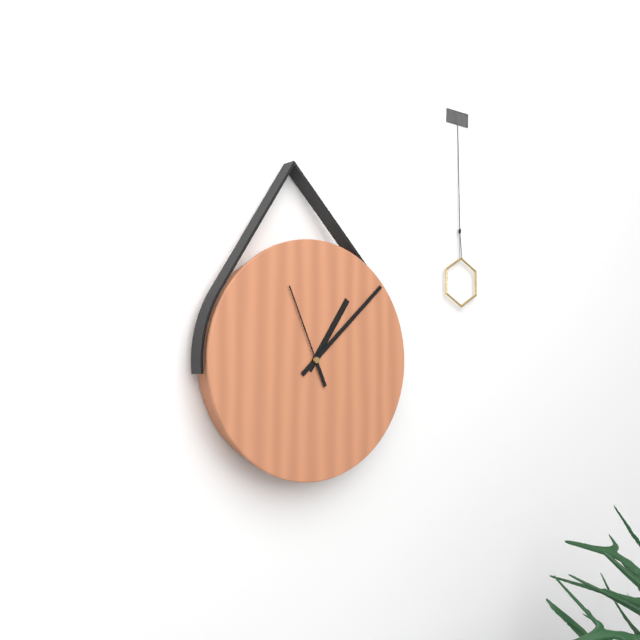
{"hour": 1, "minute": 8, "second": 56}
